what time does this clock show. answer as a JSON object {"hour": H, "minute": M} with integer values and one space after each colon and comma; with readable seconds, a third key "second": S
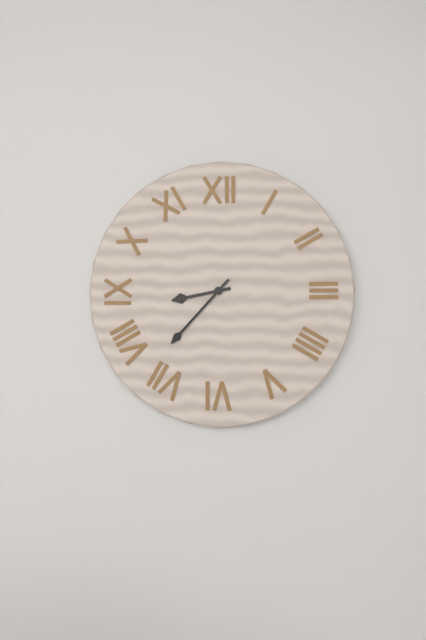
{"hour": 8, "minute": 37}
